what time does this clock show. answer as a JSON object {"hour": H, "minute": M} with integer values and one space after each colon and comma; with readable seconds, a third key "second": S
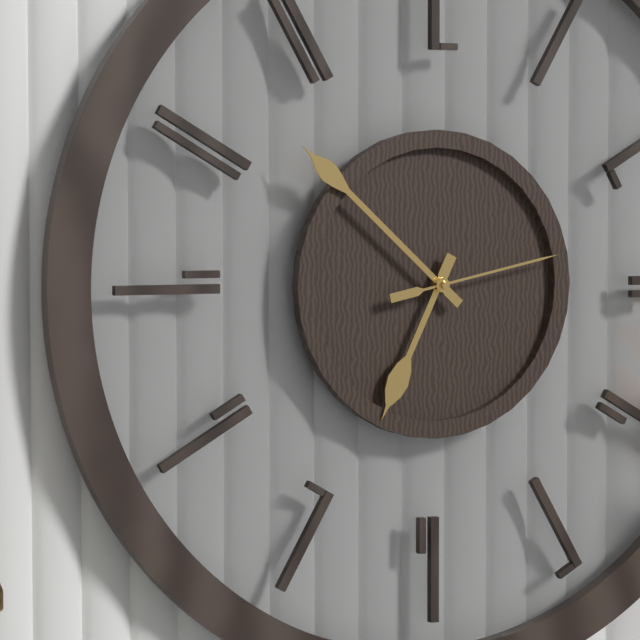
{"hour": 6, "minute": 52, "second": 13}
